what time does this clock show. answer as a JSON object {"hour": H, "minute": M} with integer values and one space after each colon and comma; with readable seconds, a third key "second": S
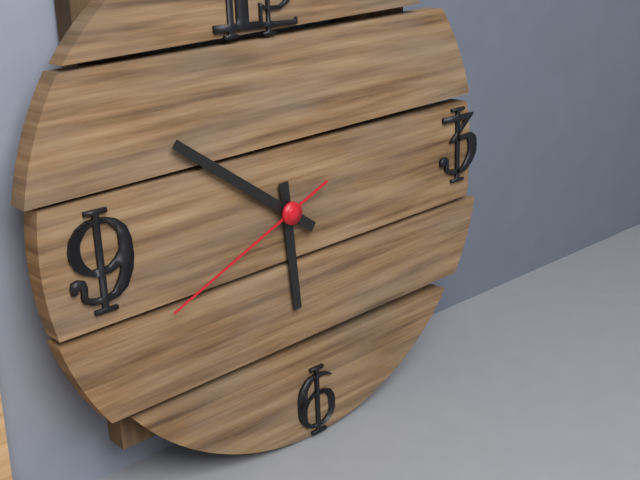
{"hour": 5, "minute": 51, "second": 41}
